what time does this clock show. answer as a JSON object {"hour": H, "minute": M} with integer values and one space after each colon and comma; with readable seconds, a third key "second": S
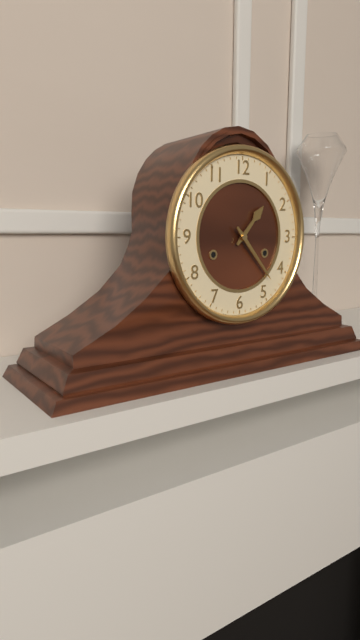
{"hour": 1, "minute": 23}
